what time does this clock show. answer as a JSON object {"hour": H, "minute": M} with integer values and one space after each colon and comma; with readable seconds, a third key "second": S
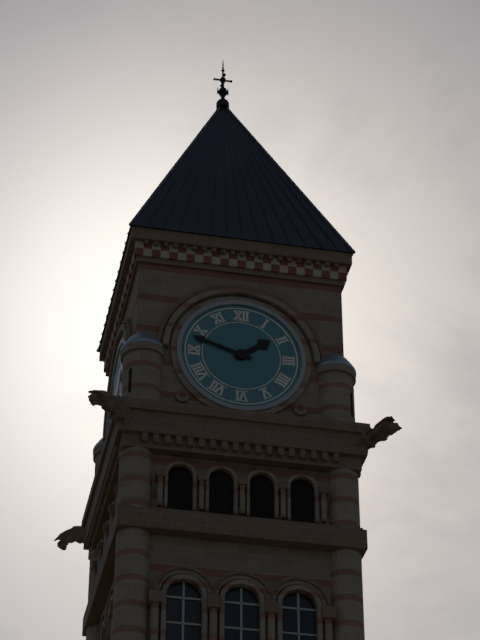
{"hour": 1, "minute": 48}
